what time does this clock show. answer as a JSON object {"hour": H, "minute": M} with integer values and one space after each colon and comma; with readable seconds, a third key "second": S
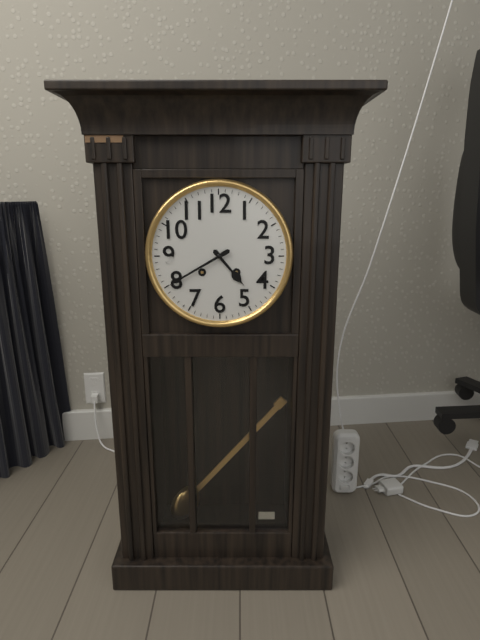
{"hour": 4, "minute": 40}
